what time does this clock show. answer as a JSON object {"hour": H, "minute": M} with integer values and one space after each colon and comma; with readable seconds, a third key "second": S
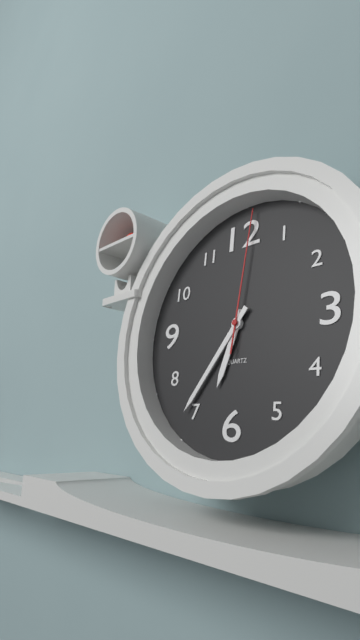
{"hour": 6, "minute": 36, "second": 1}
